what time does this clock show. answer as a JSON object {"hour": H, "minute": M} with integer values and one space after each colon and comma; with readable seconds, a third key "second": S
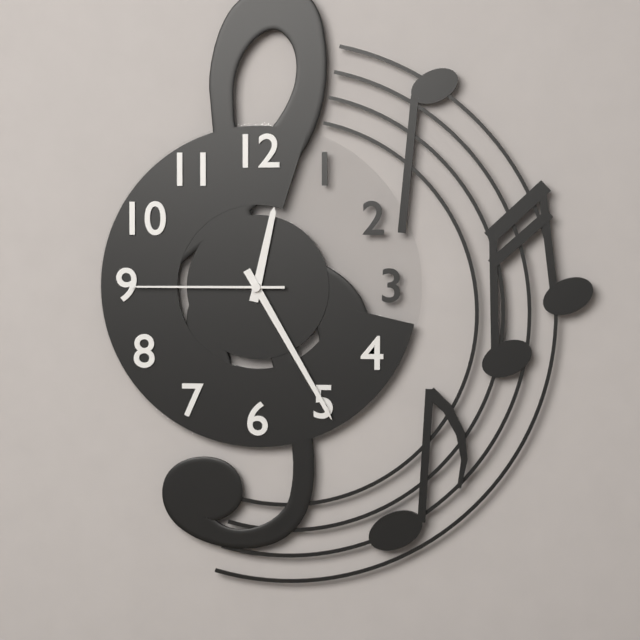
{"hour": 12, "minute": 25, "second": 45}
